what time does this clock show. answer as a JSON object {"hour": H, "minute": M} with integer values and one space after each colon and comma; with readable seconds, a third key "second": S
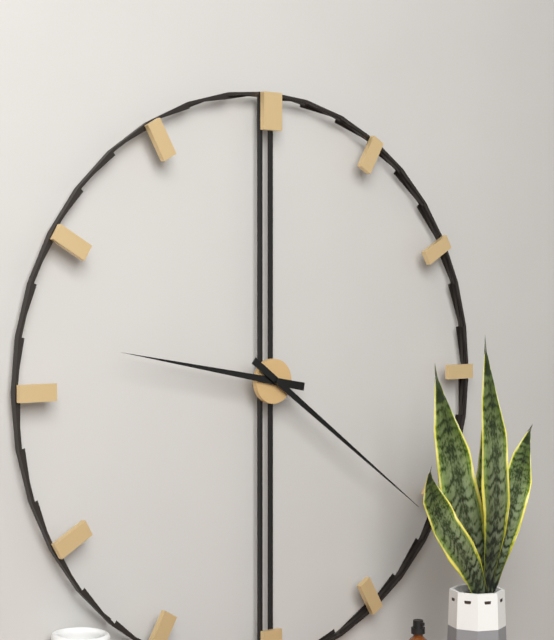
{"hour": 9, "minute": 21}
